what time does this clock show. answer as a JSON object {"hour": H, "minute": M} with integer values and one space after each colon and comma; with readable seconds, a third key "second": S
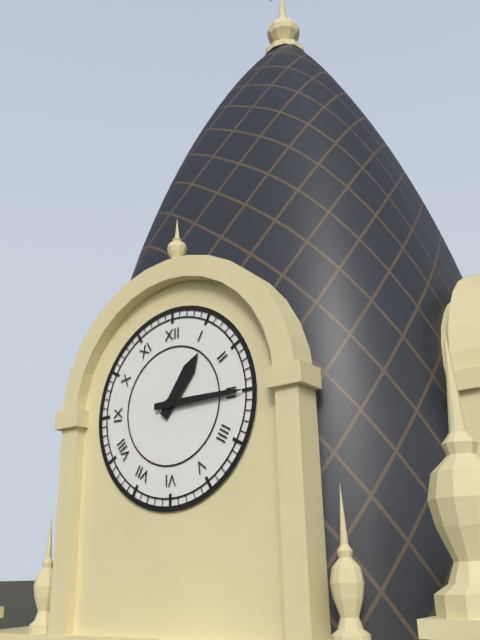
{"hour": 1, "minute": 15}
